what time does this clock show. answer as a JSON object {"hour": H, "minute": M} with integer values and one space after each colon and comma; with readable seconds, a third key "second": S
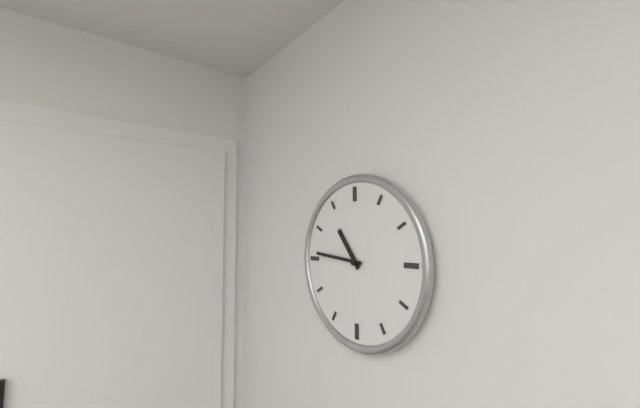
{"hour": 10, "minute": 46}
